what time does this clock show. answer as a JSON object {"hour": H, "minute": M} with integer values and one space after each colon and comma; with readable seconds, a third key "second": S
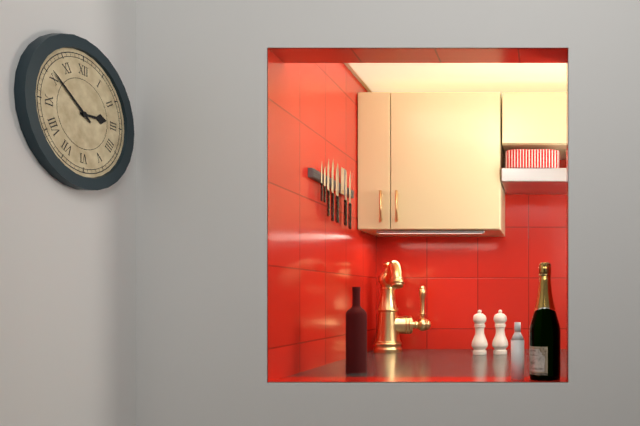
{"hour": 2, "minute": 51}
